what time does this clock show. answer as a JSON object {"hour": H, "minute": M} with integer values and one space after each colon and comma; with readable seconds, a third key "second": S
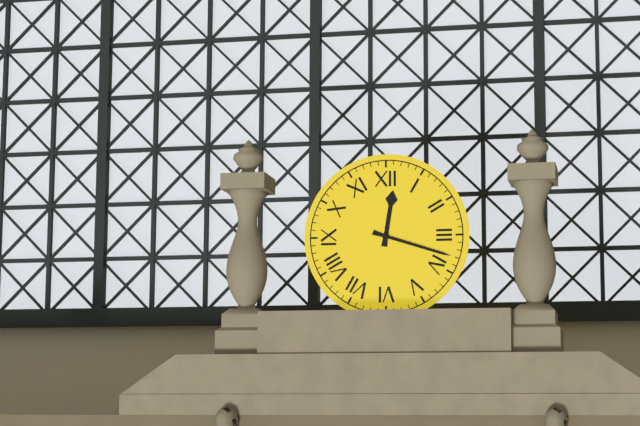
{"hour": 12, "minute": 18}
